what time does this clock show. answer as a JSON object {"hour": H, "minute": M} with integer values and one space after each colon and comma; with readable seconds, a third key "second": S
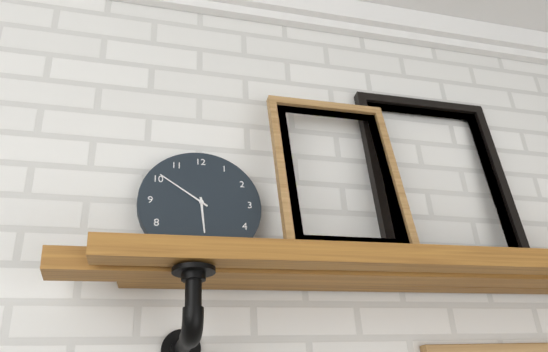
{"hour": 5, "minute": 51}
